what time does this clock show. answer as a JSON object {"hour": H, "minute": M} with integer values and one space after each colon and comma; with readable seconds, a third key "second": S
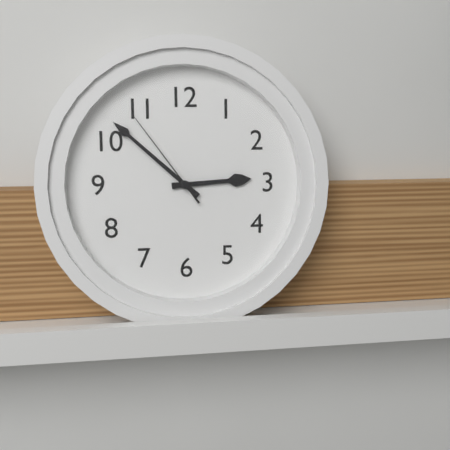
{"hour": 2, "minute": 52, "second": 54}
